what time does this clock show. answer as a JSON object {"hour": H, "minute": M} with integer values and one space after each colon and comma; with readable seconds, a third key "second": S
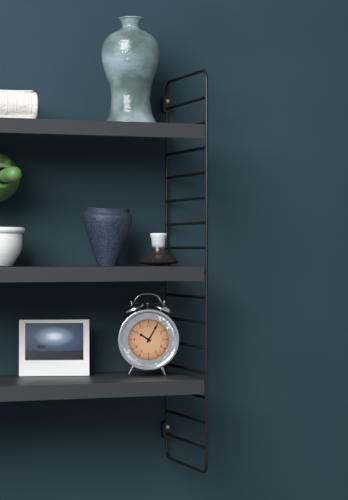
{"hour": 10, "minute": 5}
